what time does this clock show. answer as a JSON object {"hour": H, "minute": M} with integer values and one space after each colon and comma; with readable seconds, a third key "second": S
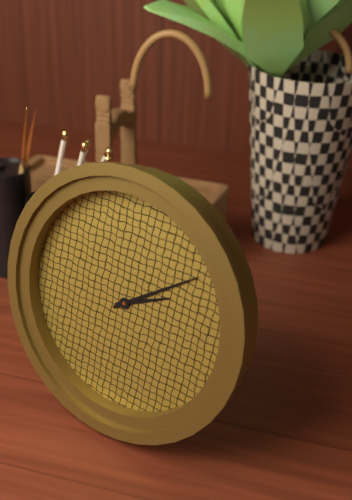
{"hour": 2, "minute": 9}
